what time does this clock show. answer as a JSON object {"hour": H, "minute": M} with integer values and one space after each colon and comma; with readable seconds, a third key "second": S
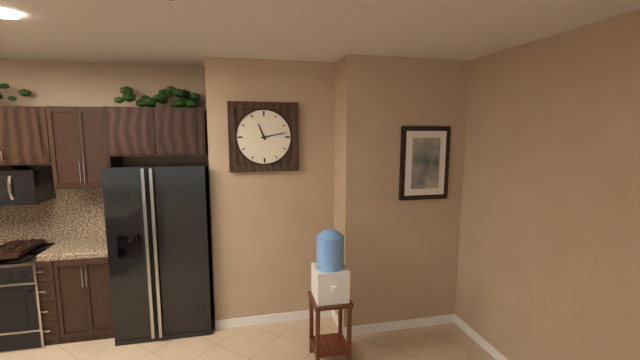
{"hour": 11, "minute": 13}
